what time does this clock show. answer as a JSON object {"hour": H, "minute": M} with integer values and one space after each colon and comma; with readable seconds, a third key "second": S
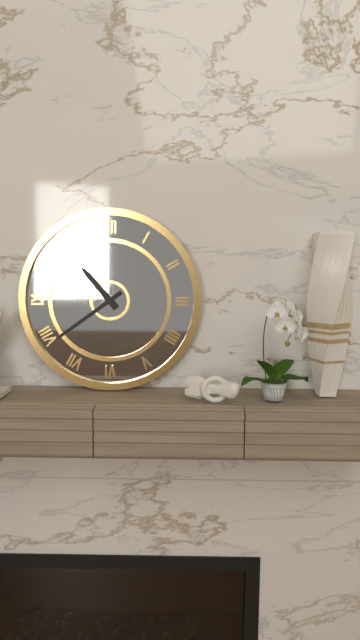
{"hour": 10, "minute": 39}
